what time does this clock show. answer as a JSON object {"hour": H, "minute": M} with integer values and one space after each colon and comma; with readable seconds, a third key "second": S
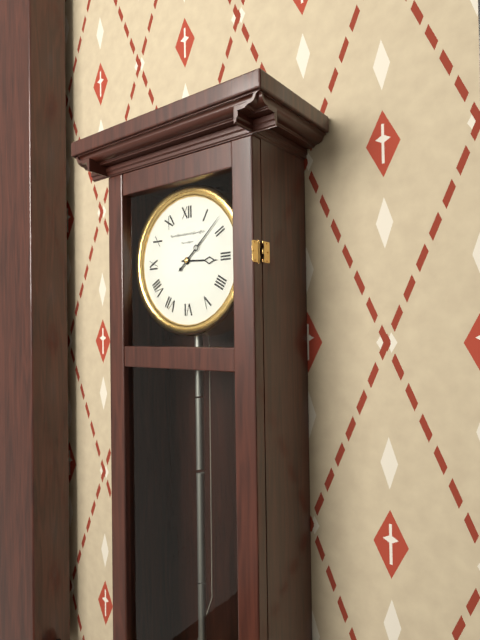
{"hour": 3, "minute": 8}
